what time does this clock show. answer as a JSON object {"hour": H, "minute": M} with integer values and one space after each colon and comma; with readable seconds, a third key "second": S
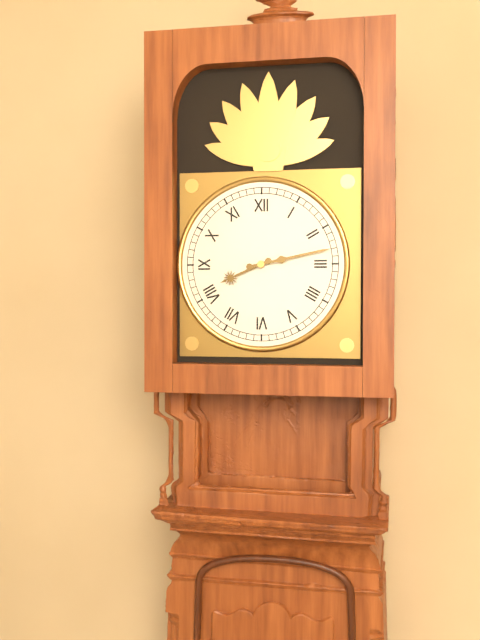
{"hour": 8, "minute": 13}
